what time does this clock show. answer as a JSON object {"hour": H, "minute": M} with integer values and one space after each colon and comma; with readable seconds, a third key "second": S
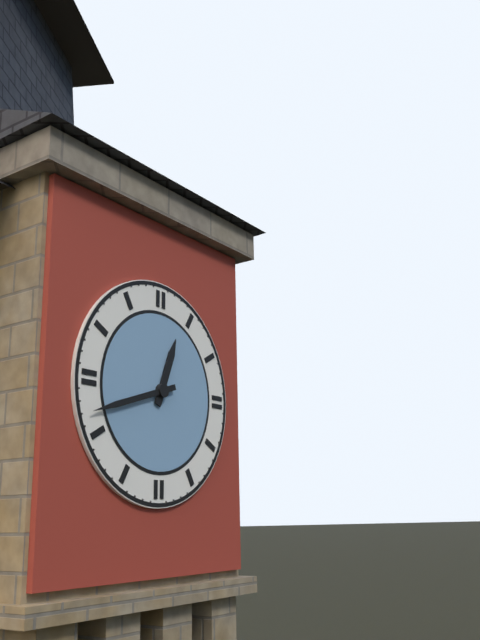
{"hour": 12, "minute": 42}
